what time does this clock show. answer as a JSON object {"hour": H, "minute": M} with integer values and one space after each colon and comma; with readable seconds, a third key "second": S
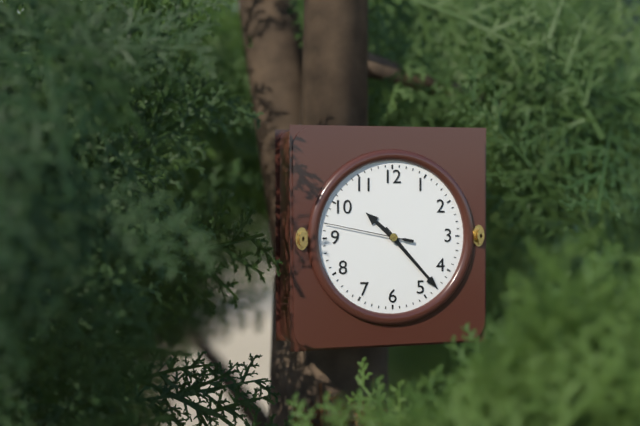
{"hour": 10, "minute": 23, "second": 47}
